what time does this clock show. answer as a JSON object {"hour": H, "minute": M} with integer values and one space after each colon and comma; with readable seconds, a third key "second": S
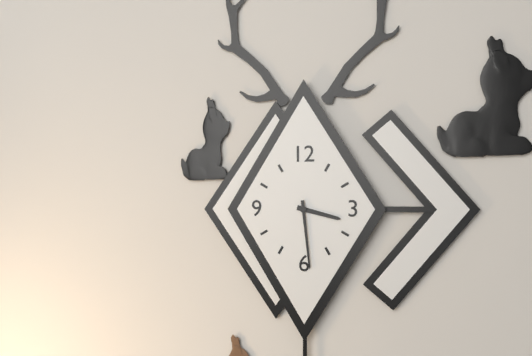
{"hour": 3, "minute": 29}
